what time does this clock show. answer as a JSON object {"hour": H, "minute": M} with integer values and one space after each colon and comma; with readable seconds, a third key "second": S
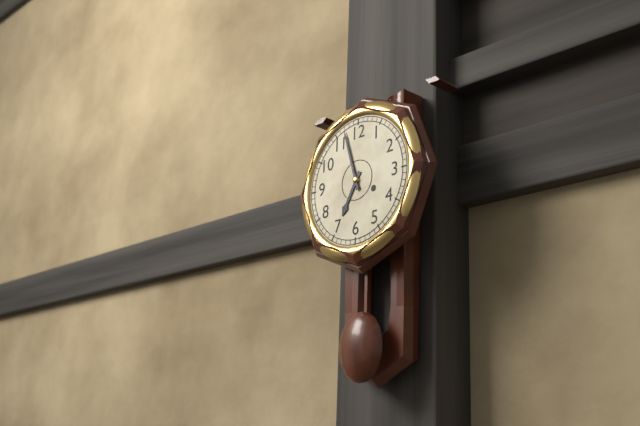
{"hour": 6, "minute": 57}
